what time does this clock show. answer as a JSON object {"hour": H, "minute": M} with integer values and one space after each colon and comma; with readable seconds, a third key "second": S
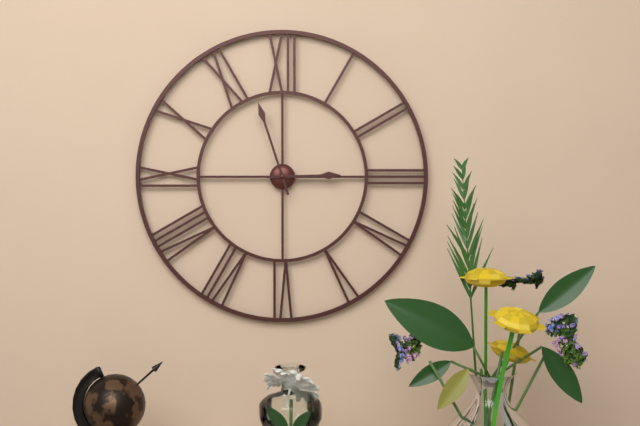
{"hour": 2, "minute": 57}
